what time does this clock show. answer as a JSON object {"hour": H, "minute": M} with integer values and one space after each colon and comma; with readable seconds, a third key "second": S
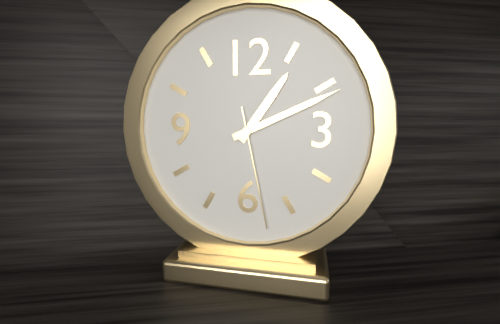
{"hour": 1, "minute": 11, "second": 28}
